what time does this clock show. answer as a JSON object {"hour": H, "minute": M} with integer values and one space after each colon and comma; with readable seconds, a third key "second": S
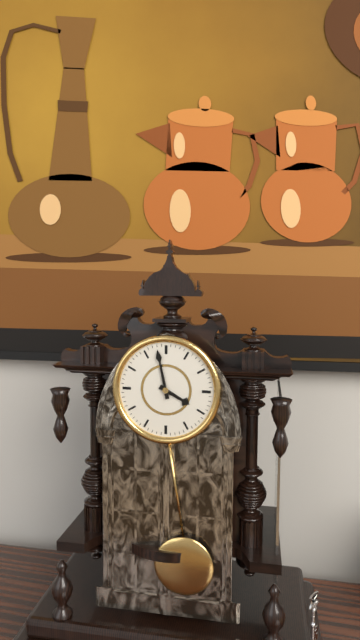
{"hour": 3, "minute": 58}
